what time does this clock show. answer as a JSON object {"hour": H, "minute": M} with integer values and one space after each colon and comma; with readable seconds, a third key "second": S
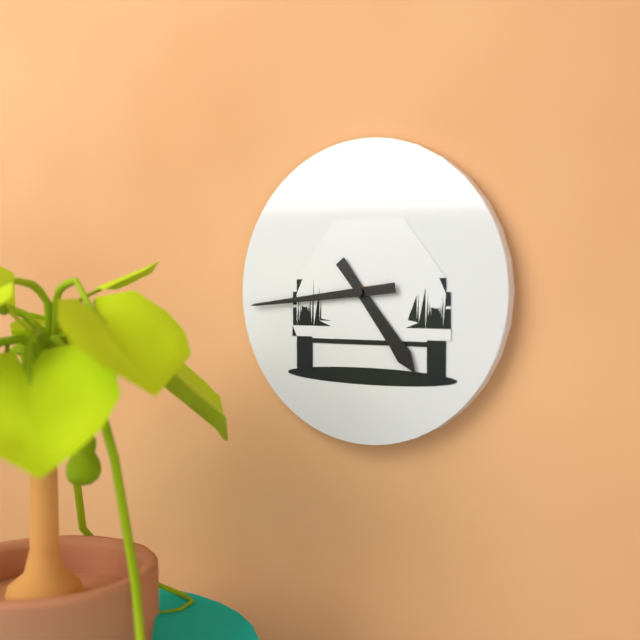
{"hour": 4, "minute": 44}
